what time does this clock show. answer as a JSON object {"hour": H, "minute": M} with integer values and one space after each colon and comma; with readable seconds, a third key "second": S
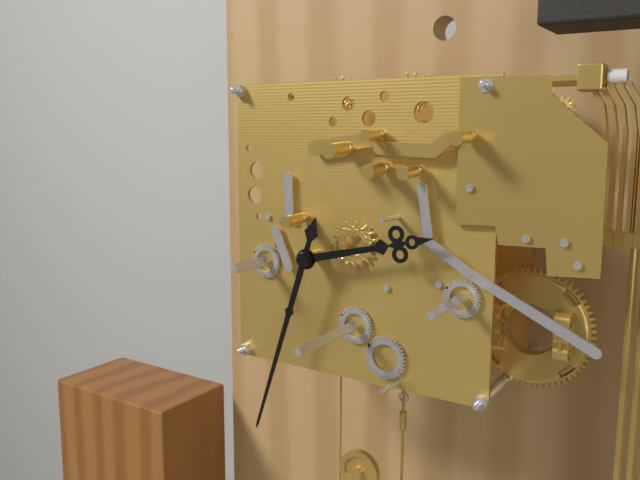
{"hour": 2, "minute": 33}
